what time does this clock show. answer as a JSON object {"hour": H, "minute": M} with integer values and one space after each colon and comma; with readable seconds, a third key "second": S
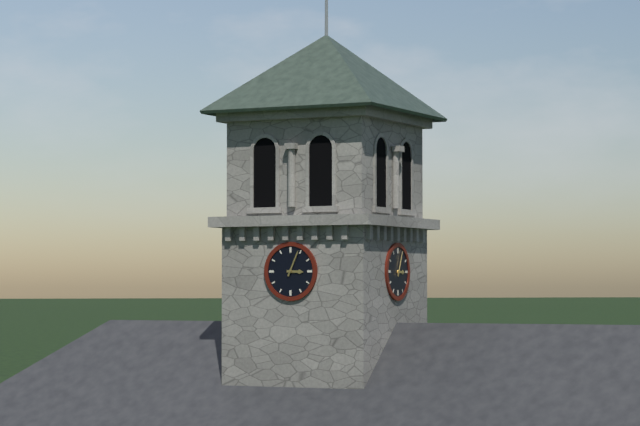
{"hour": 3, "minute": 4}
